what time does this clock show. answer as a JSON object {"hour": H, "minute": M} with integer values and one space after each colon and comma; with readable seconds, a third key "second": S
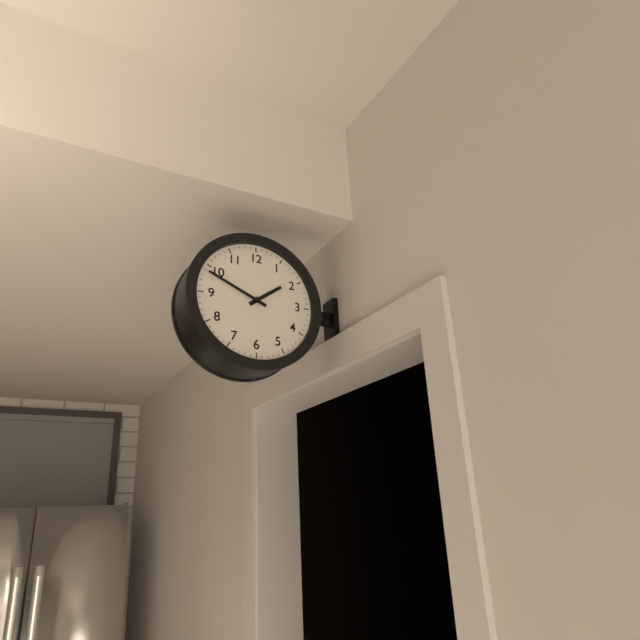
{"hour": 1, "minute": 49}
